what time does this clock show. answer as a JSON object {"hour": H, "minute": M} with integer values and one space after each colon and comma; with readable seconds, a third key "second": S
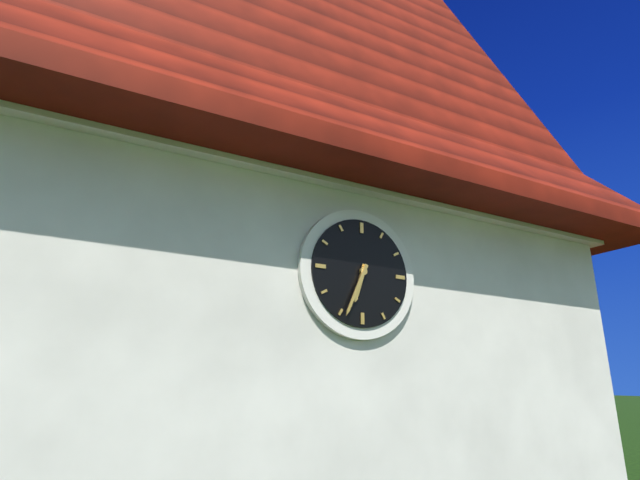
{"hour": 6, "minute": 34}
